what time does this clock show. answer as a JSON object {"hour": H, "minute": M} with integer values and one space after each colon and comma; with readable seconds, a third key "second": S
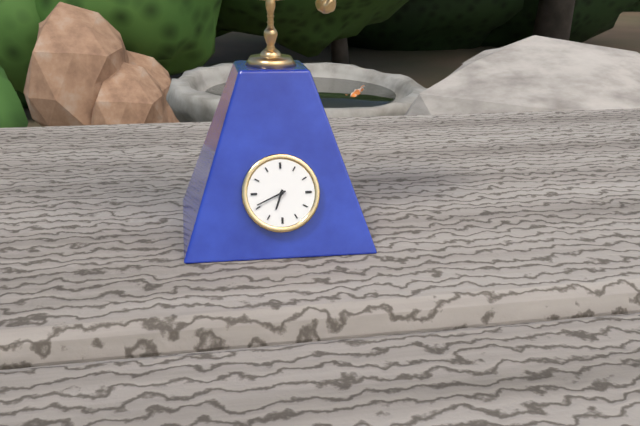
{"hour": 6, "minute": 41}
